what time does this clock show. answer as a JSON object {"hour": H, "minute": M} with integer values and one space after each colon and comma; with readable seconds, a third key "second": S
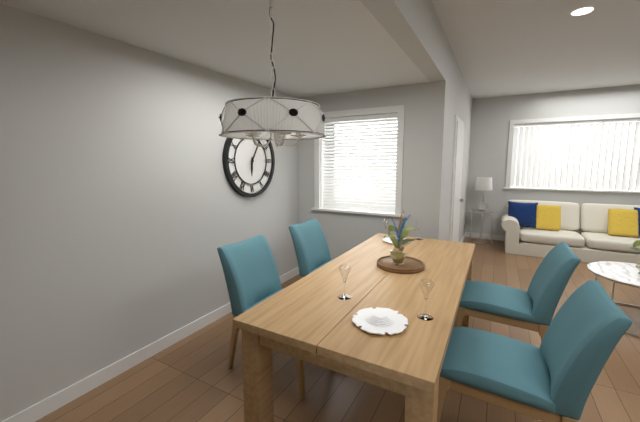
{"hour": 6, "minute": 5}
